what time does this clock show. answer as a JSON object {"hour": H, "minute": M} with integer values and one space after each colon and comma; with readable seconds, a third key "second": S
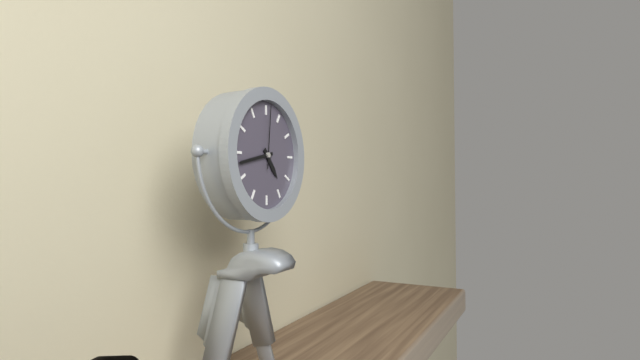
{"hour": 4, "minute": 43, "second": 1}
